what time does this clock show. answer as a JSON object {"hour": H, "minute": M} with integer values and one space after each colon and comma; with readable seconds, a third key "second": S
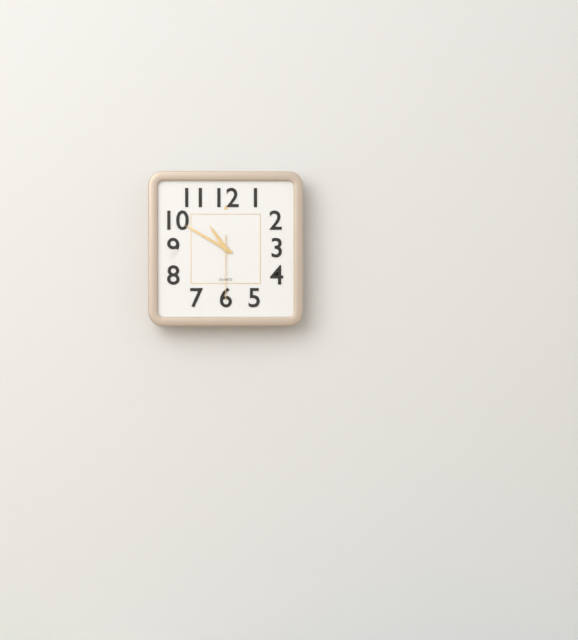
{"hour": 10, "minute": 50, "second": 30}
